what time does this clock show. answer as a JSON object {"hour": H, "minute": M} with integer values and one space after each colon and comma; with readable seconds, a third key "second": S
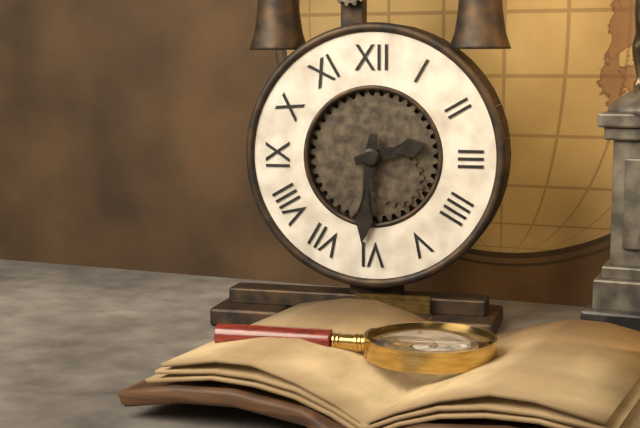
{"hour": 2, "minute": 31}
